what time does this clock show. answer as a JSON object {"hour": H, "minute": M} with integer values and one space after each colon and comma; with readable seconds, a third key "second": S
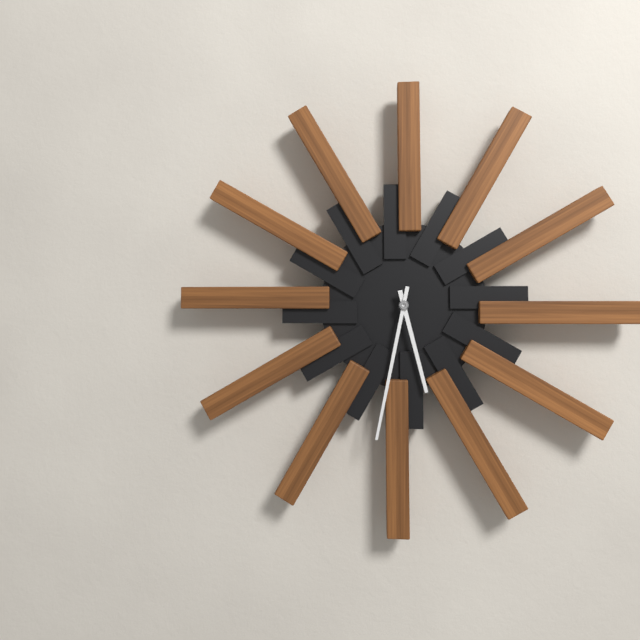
{"hour": 5, "minute": 32}
